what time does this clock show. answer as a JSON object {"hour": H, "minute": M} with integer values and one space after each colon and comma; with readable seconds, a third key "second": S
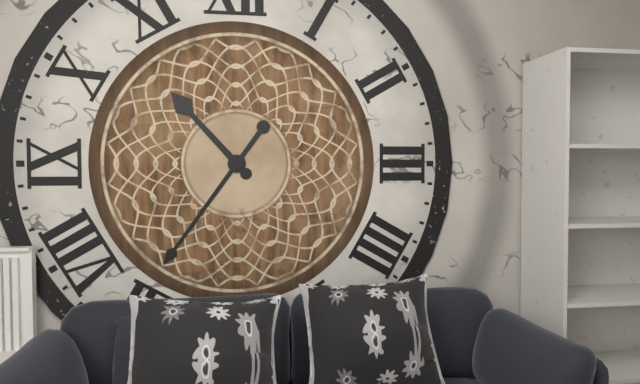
{"hour": 10, "minute": 36}
